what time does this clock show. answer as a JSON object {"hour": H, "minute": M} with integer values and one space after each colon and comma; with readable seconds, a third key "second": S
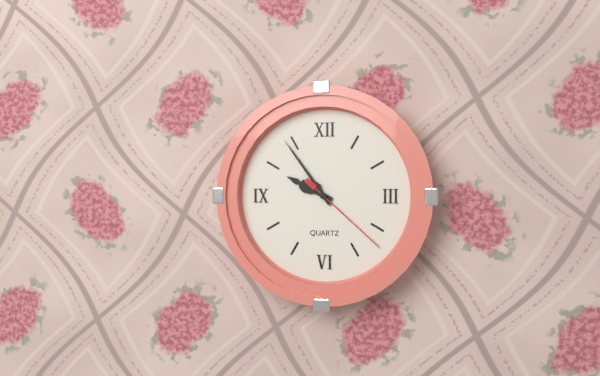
{"hour": 9, "minute": 54, "second": 22}
